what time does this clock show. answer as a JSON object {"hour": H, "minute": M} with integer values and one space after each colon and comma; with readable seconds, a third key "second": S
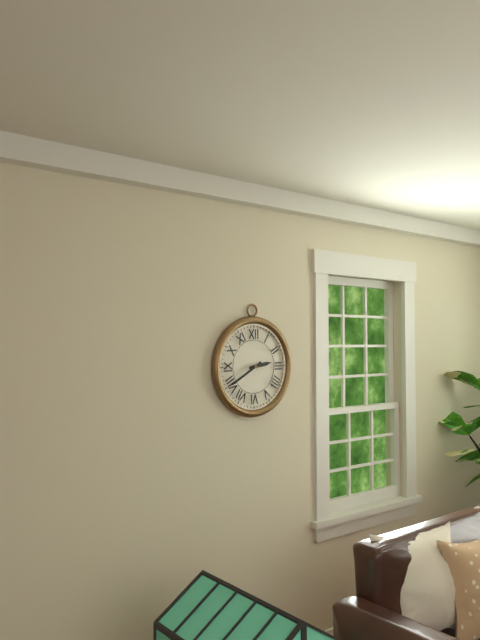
{"hour": 2, "minute": 40}
